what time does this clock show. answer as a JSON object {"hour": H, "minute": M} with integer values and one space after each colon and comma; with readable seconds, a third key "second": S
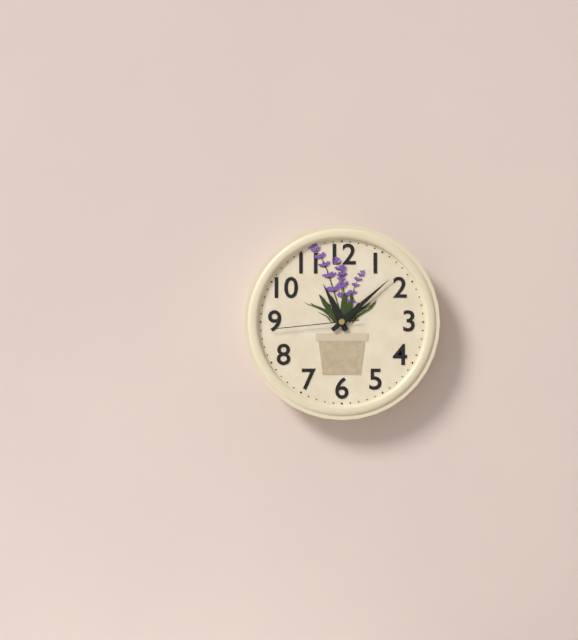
{"hour": 11, "minute": 8, "second": 44}
